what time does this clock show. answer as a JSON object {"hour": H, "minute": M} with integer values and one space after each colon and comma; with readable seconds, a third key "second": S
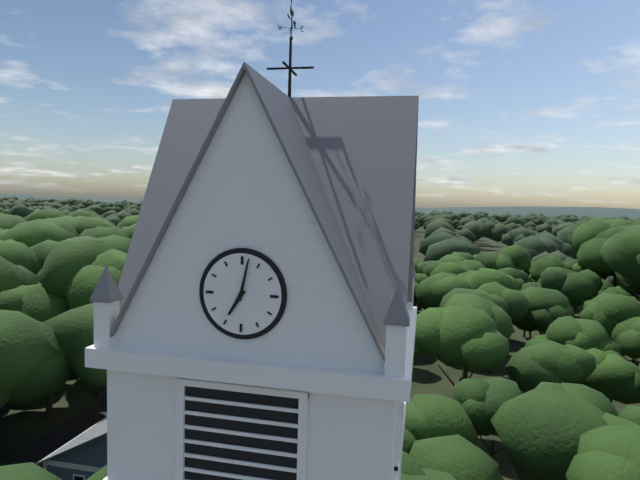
{"hour": 7, "minute": 2}
